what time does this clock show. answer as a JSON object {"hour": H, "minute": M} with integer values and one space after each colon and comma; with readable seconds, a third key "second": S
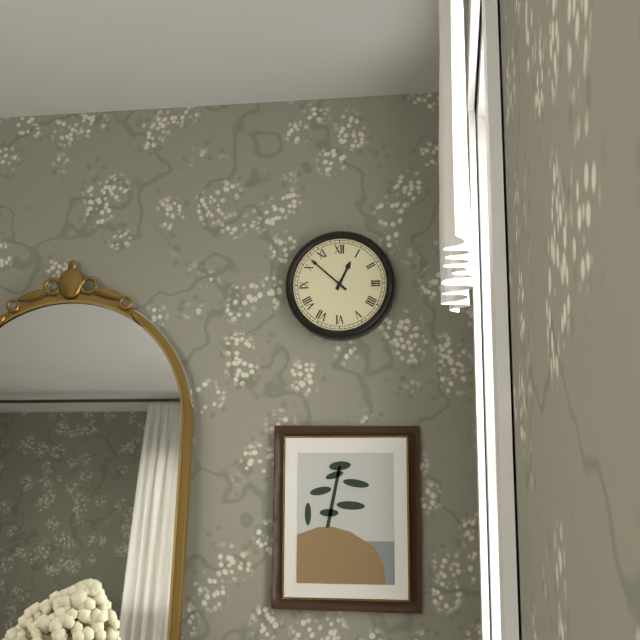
{"hour": 12, "minute": 52}
